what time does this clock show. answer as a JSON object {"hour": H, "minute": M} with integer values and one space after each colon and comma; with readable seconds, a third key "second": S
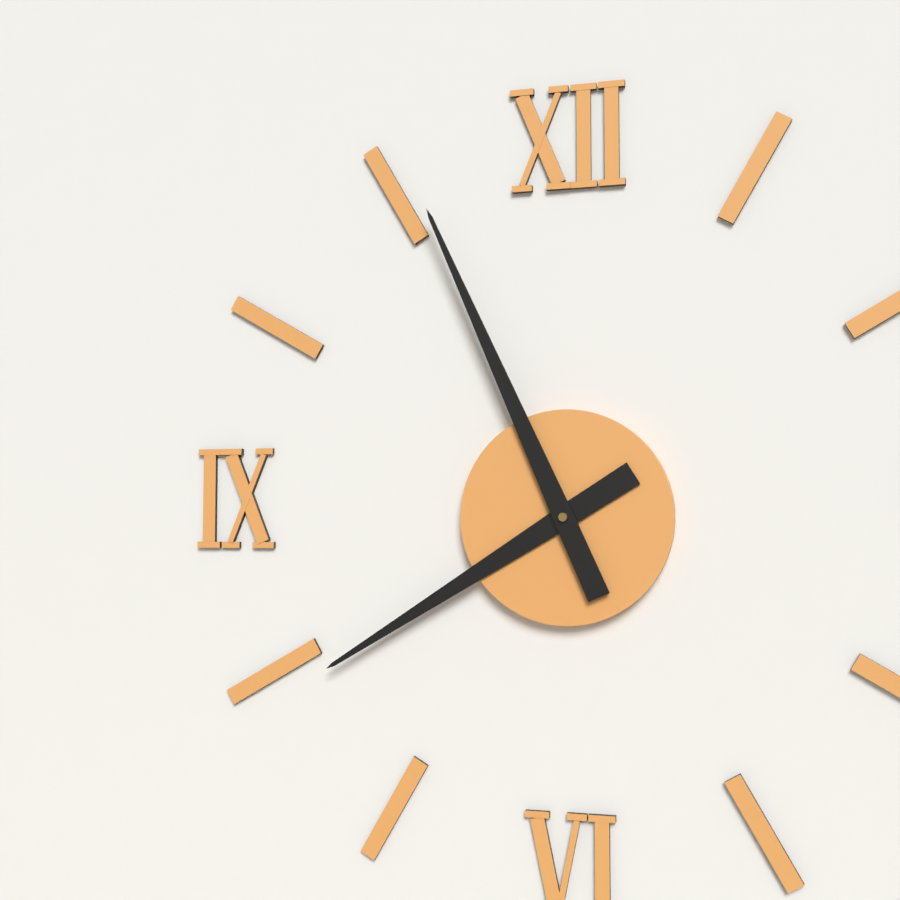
{"hour": 7, "minute": 56}
